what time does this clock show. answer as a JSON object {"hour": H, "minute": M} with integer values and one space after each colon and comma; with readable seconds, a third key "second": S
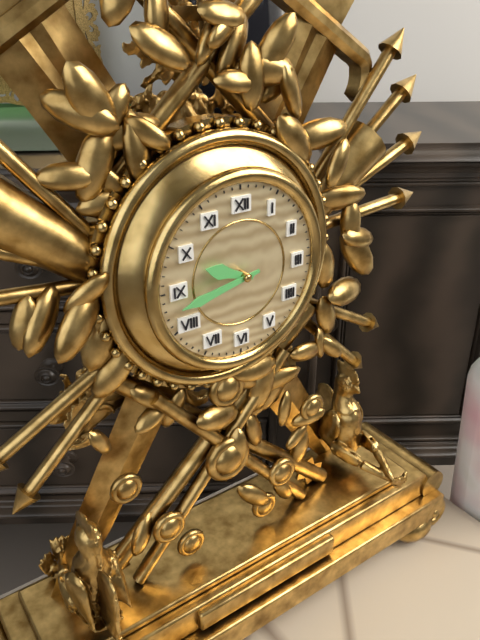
{"hour": 9, "minute": 43}
